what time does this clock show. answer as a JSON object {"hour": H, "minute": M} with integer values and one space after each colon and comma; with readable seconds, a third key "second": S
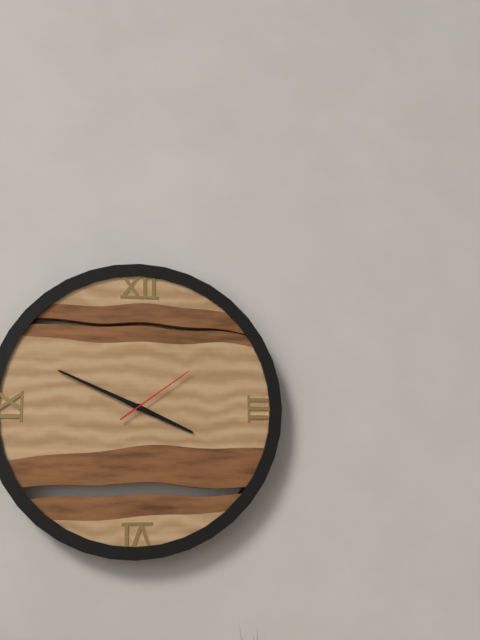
{"hour": 3, "minute": 49, "second": 9}
